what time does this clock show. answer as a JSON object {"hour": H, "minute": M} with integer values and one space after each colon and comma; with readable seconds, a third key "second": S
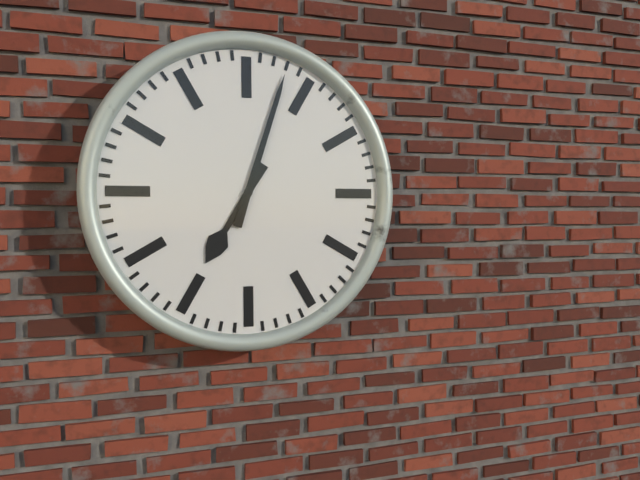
{"hour": 7, "minute": 3}
